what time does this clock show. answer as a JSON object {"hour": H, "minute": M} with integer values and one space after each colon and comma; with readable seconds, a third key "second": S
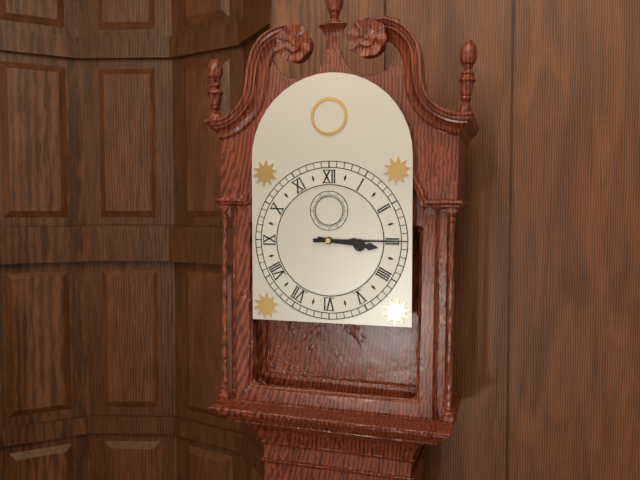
{"hour": 3, "minute": 15}
